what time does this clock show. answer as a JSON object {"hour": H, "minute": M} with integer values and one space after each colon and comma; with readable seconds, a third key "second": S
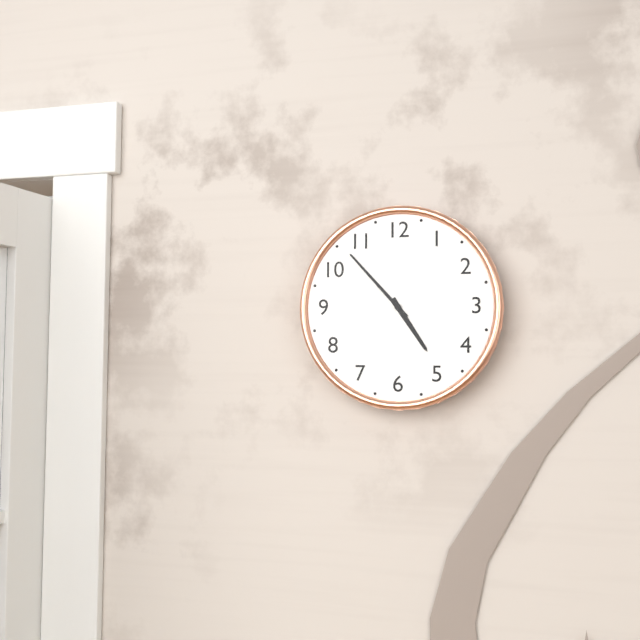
{"hour": 4, "minute": 53}
